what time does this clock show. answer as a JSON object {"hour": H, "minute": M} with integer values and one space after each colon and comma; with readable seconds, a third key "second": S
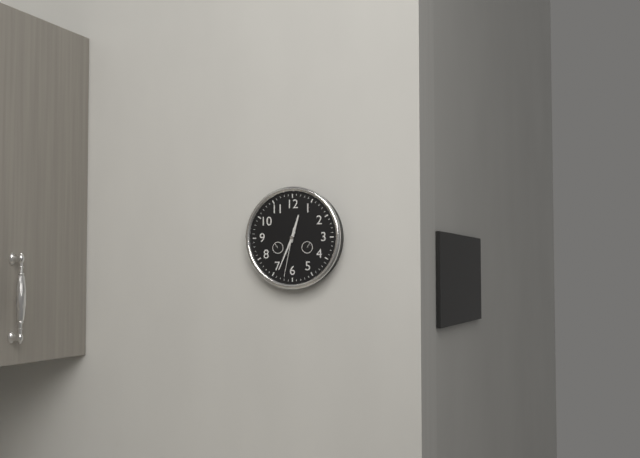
{"hour": 12, "minute": 34, "second": 32}
